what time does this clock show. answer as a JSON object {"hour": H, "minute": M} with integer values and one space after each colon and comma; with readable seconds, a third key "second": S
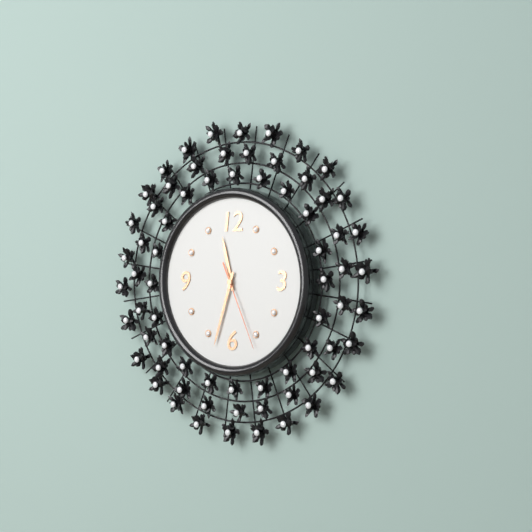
{"hour": 11, "minute": 33, "second": 26}
